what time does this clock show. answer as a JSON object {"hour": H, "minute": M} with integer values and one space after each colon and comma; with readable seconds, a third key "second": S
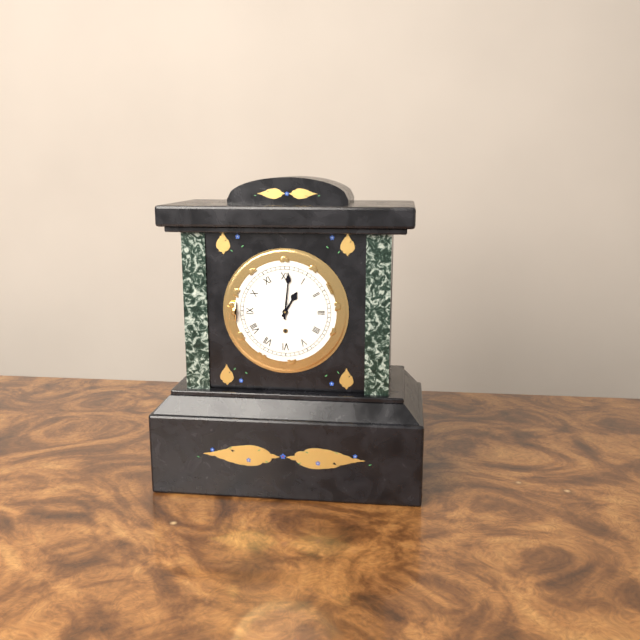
{"hour": 1, "minute": 1}
